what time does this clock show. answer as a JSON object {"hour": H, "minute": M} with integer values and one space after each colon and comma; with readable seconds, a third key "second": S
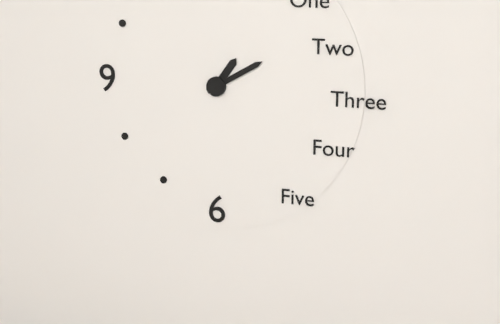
{"hour": 1, "minute": 10}
